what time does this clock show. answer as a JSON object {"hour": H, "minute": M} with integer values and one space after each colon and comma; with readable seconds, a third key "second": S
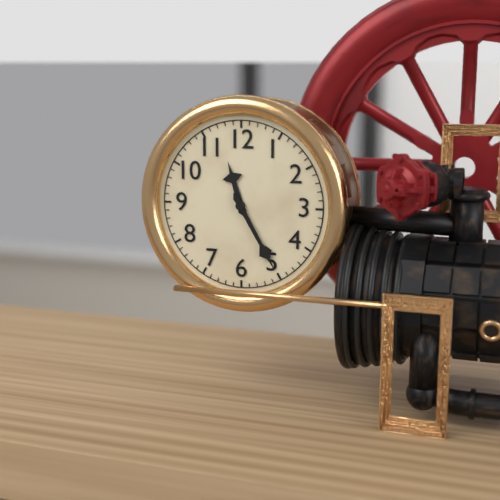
{"hour": 11, "minute": 25}
